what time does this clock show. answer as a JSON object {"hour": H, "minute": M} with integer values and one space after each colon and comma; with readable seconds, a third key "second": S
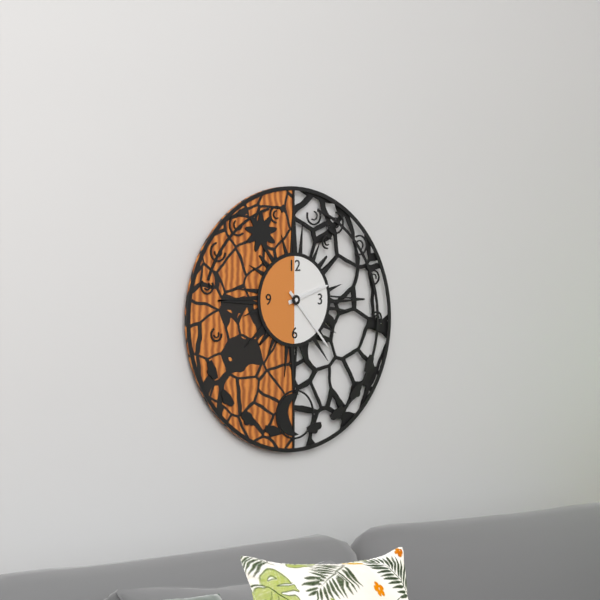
{"hour": 2, "minute": 23}
